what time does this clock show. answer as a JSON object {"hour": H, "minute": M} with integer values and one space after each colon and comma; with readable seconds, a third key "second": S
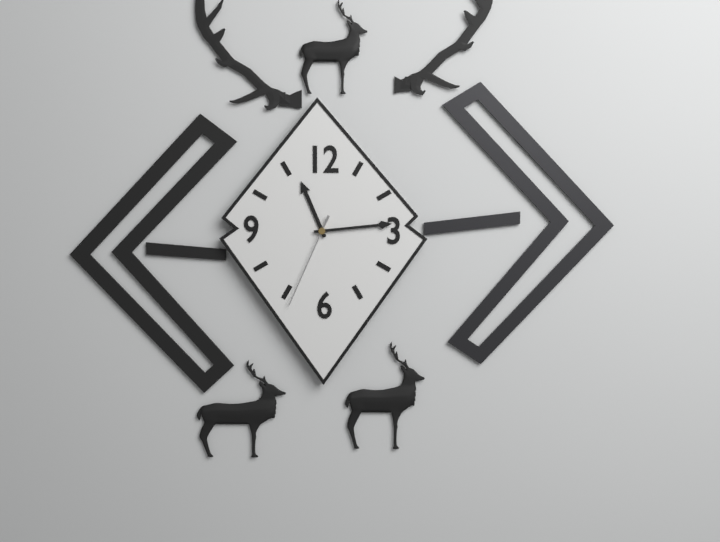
{"hour": 11, "minute": 14, "second": 34}
